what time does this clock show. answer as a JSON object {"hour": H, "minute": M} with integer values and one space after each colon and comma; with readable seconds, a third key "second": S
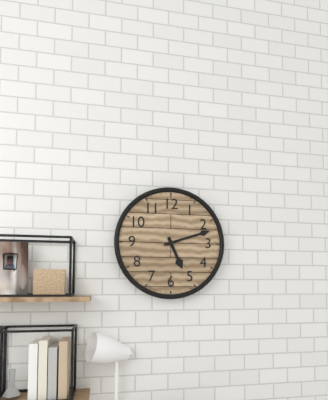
{"hour": 5, "minute": 12}
